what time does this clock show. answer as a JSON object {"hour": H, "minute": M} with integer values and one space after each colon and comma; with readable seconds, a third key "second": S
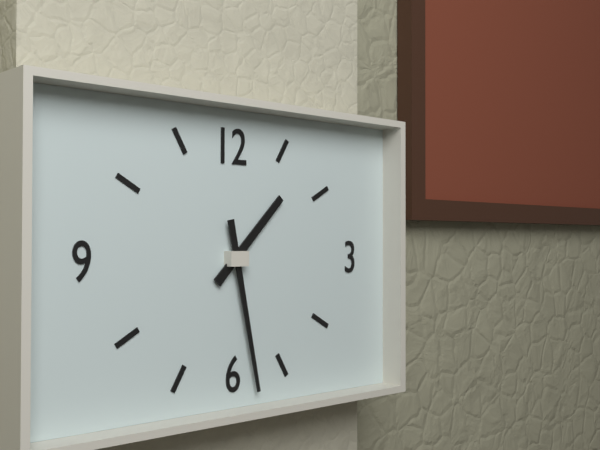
{"hour": 1, "minute": 28}
